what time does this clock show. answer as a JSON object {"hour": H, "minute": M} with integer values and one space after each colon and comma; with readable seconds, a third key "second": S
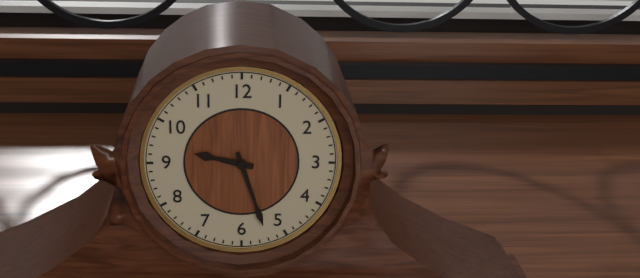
{"hour": 9, "minute": 27}
